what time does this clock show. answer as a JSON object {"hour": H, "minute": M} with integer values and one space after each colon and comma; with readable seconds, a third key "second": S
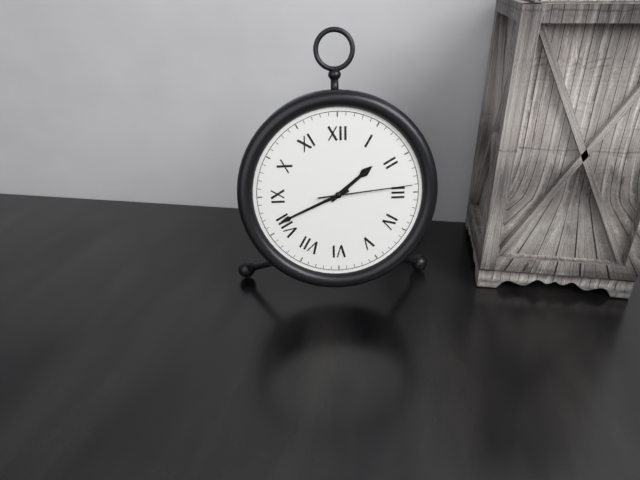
{"hour": 1, "minute": 41, "second": 14}
